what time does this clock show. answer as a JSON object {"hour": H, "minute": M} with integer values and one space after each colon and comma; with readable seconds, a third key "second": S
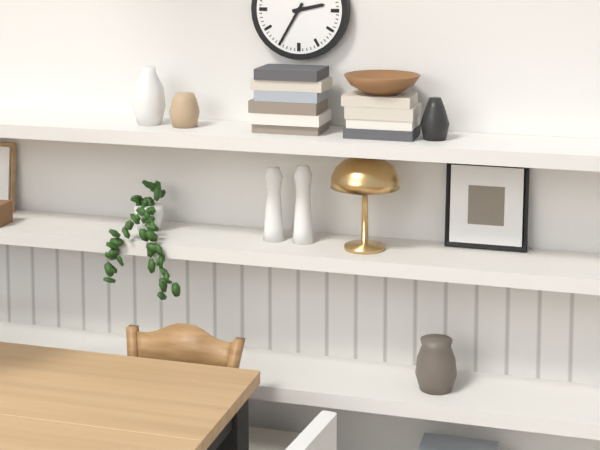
{"hour": 2, "minute": 35}
